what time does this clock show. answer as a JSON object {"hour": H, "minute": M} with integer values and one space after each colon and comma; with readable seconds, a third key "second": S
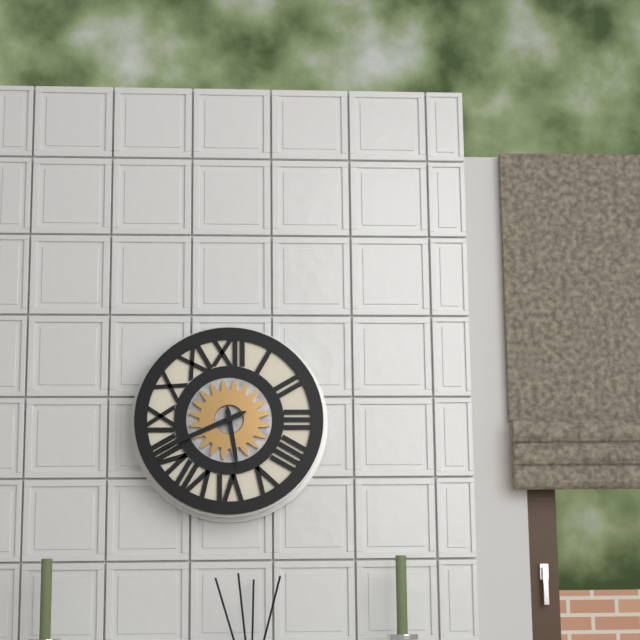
{"hour": 5, "minute": 41}
